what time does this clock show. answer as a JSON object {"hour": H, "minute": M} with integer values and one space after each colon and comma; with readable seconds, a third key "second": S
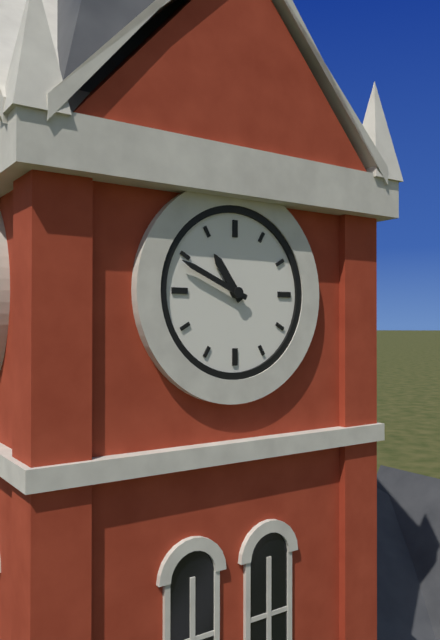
{"hour": 10, "minute": 49}
